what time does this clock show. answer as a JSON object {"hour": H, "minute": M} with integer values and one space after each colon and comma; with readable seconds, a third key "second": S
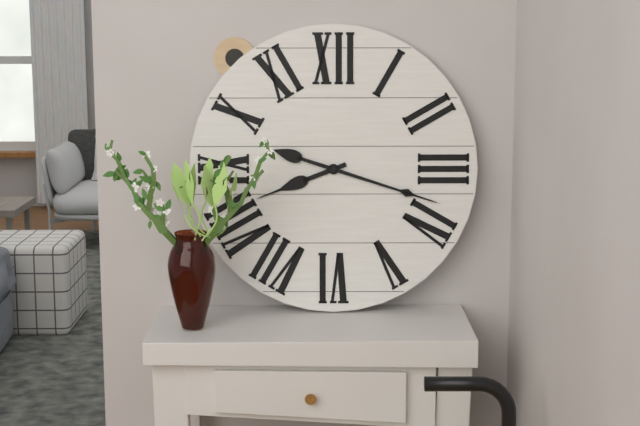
{"hour": 8, "minute": 18}
